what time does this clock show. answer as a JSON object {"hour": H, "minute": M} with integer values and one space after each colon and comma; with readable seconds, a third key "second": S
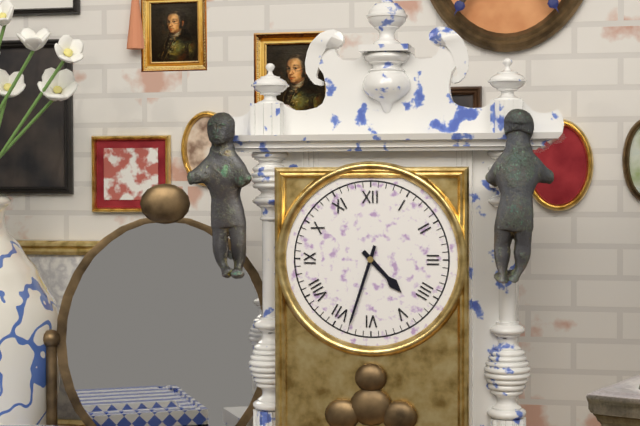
{"hour": 4, "minute": 33}
